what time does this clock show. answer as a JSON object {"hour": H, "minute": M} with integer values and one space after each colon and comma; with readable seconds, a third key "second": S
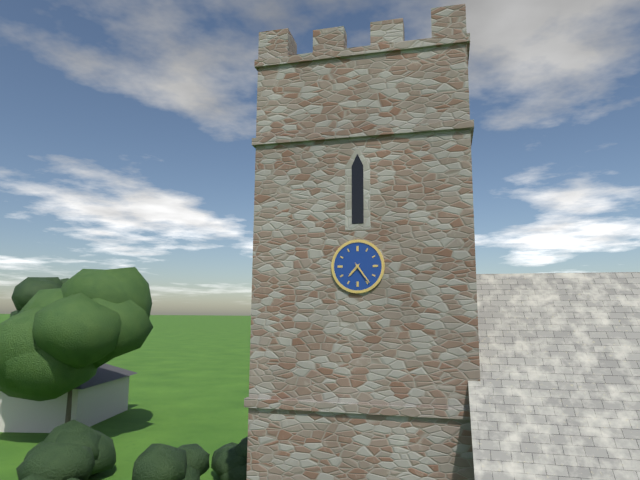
{"hour": 7, "minute": 24}
